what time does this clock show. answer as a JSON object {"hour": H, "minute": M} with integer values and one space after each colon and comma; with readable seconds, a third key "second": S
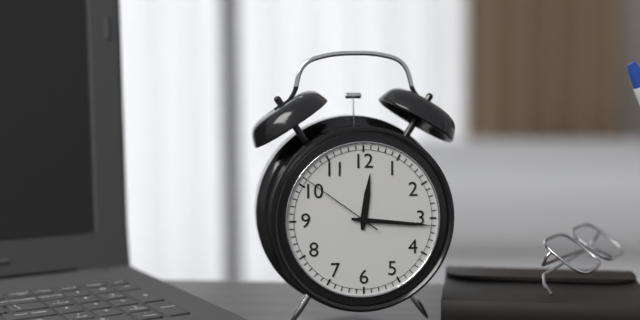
{"hour": 12, "minute": 16, "second": 51}
